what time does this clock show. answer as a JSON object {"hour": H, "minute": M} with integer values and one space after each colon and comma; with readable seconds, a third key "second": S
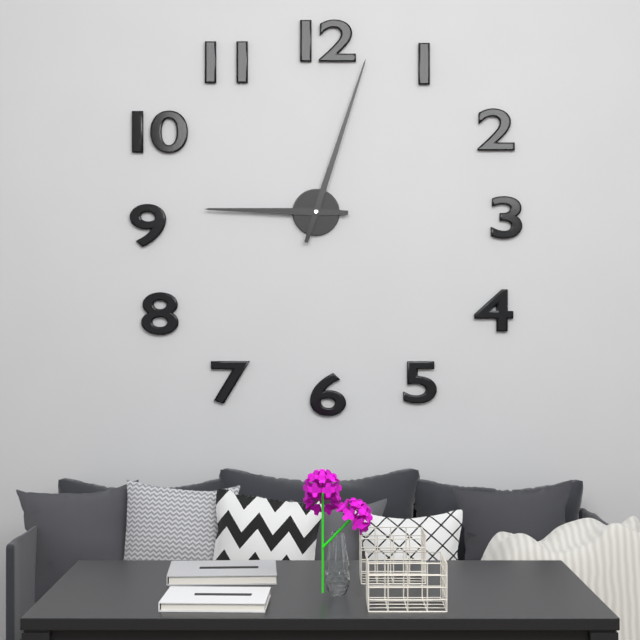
{"hour": 9, "minute": 3}
